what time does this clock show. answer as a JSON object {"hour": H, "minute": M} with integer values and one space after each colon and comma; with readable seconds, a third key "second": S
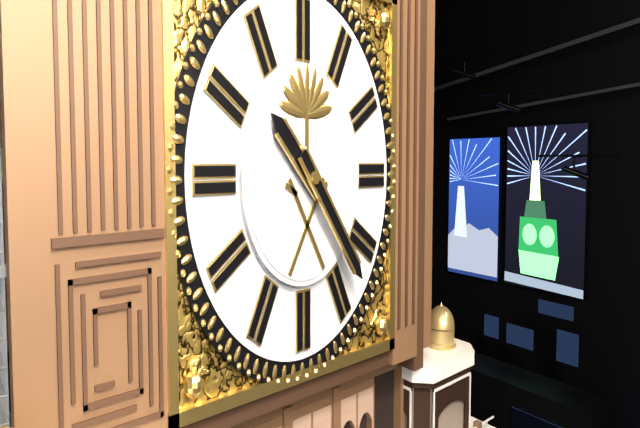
{"hour": 10, "minute": 23}
